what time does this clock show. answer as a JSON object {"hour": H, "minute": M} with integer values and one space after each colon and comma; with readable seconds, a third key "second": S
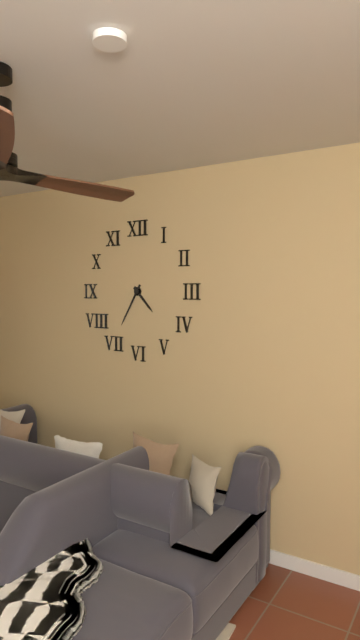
{"hour": 4, "minute": 35}
